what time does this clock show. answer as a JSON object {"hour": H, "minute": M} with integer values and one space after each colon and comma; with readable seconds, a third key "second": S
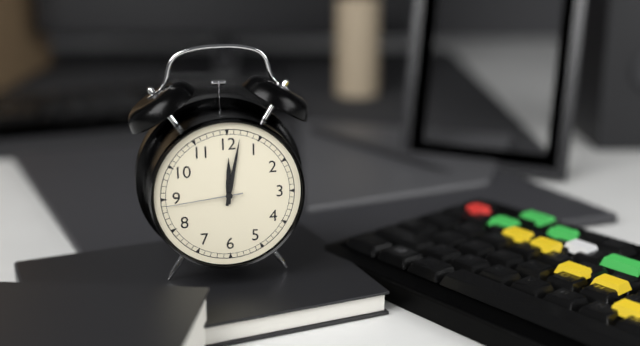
{"hour": 12, "minute": 2, "second": 44}
